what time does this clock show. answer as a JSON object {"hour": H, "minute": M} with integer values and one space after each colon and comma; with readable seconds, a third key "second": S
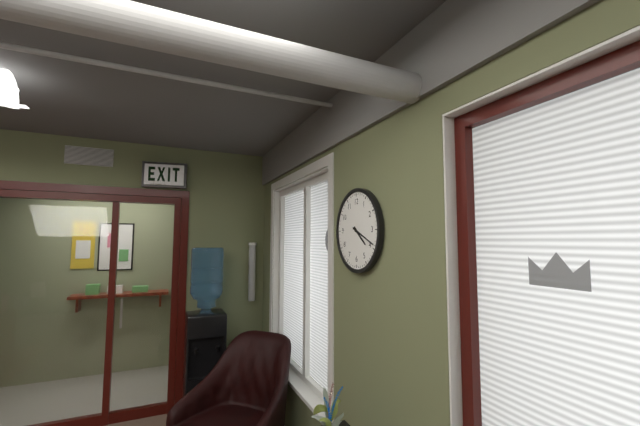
{"hour": 4, "minute": 19}
